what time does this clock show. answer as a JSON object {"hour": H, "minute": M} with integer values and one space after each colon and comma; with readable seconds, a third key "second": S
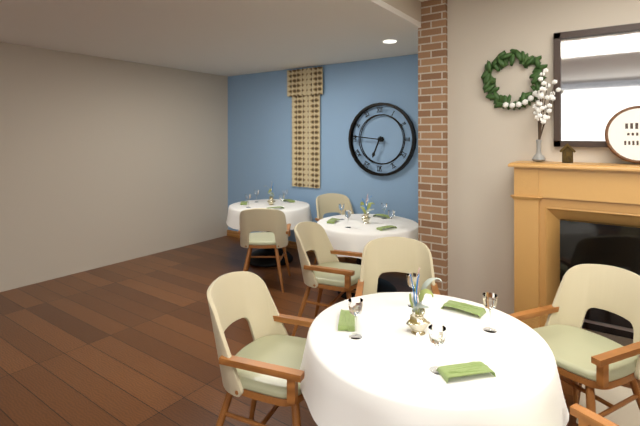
{"hour": 6, "minute": 46}
